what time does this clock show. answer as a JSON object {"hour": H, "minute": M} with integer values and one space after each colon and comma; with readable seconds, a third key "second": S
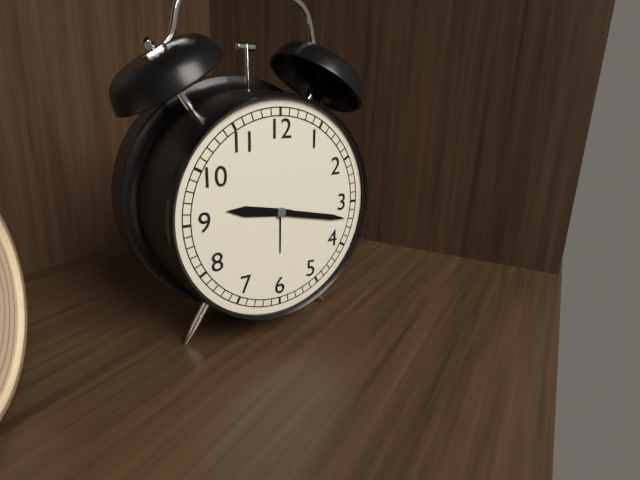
{"hour": 9, "minute": 17}
